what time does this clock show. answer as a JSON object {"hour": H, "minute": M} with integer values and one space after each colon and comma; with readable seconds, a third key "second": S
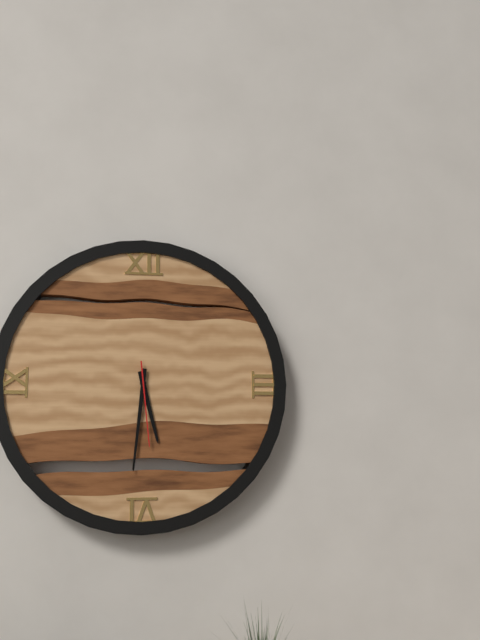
{"hour": 5, "minute": 31, "second": 29}
